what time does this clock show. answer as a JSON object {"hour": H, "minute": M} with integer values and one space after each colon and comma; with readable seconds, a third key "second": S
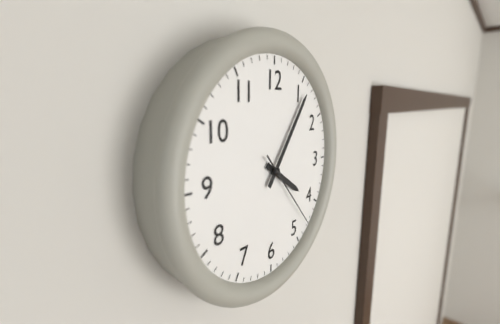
{"hour": 4, "minute": 6, "second": 23}
